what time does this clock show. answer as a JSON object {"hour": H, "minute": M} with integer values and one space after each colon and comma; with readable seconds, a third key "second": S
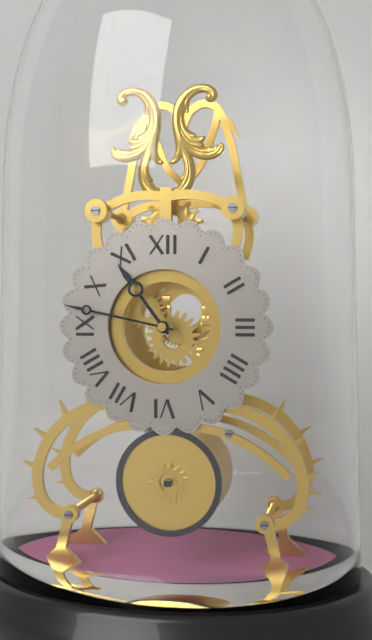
{"hour": 10, "minute": 47}
